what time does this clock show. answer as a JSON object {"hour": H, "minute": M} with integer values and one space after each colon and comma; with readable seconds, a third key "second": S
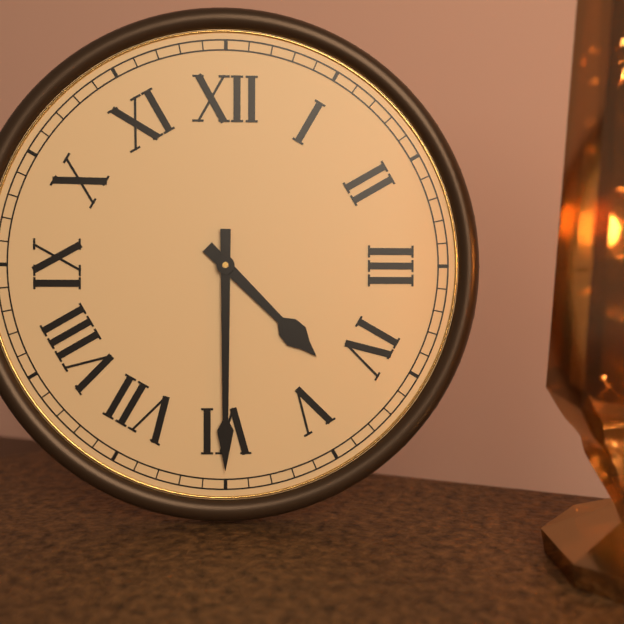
{"hour": 4, "minute": 30}
